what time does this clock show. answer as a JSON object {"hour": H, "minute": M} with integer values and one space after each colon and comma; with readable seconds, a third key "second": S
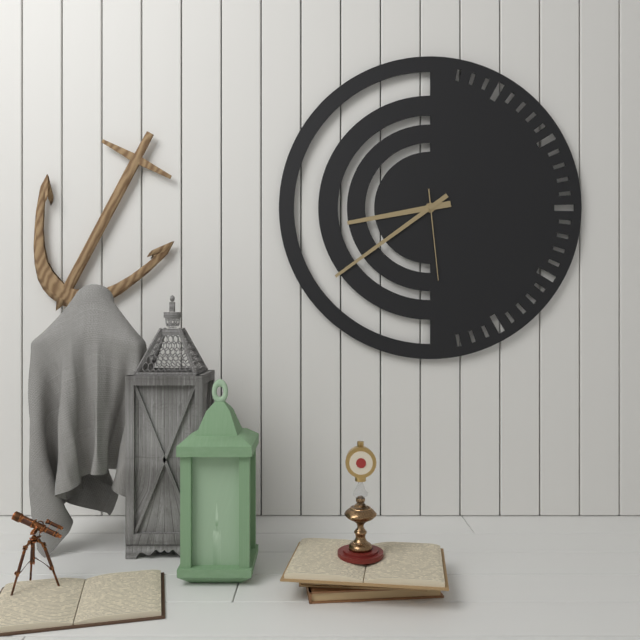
{"hour": 8, "minute": 39, "second": 29}
